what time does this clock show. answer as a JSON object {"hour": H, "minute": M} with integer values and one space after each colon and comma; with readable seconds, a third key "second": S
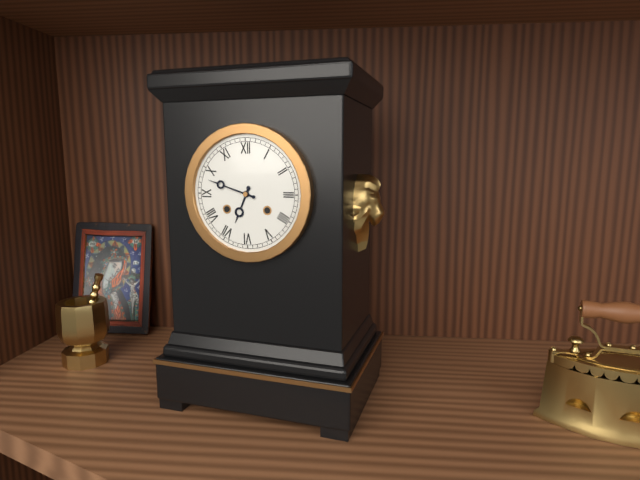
{"hour": 6, "minute": 48}
